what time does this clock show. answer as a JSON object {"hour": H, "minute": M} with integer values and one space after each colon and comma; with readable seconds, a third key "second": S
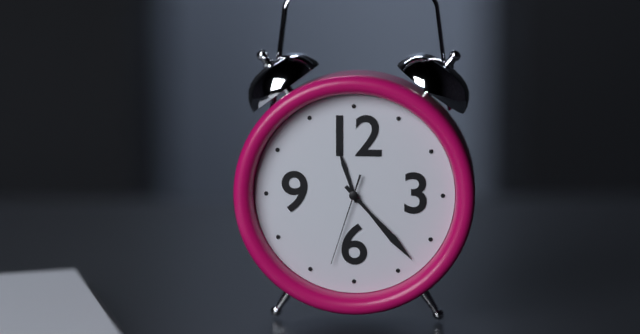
{"hour": 11, "minute": 23, "second": 33}
